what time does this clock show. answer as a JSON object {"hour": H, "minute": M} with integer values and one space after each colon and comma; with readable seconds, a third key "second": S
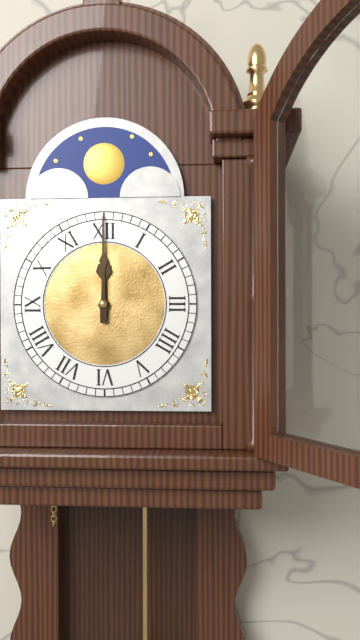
{"hour": 12, "minute": 0}
